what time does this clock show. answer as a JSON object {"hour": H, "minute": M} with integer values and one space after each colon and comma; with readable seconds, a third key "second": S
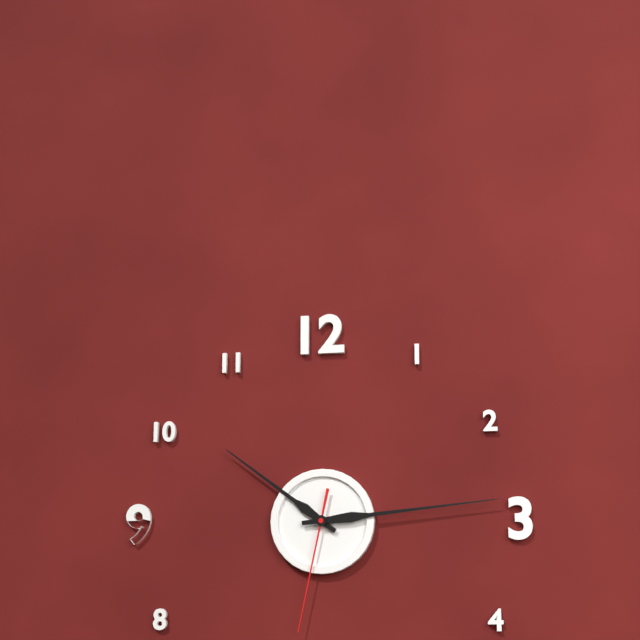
{"hour": 10, "minute": 14, "second": 32}
